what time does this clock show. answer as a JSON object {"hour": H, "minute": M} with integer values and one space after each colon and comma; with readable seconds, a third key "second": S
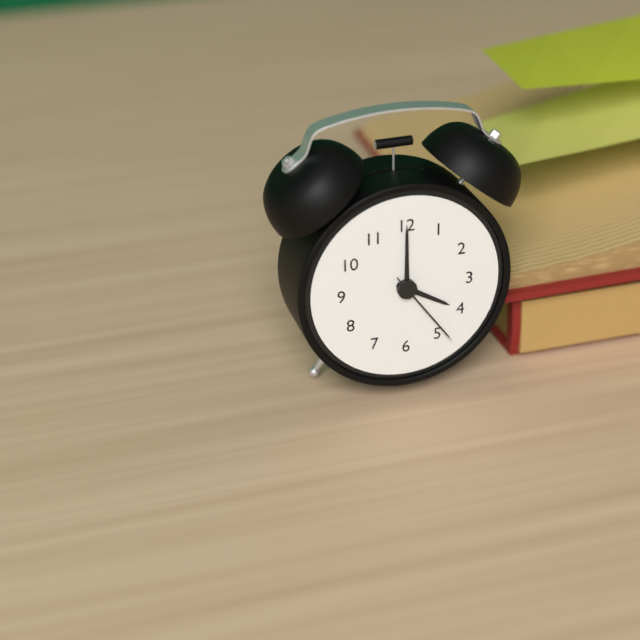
{"hour": 4, "minute": 0, "second": 24}
